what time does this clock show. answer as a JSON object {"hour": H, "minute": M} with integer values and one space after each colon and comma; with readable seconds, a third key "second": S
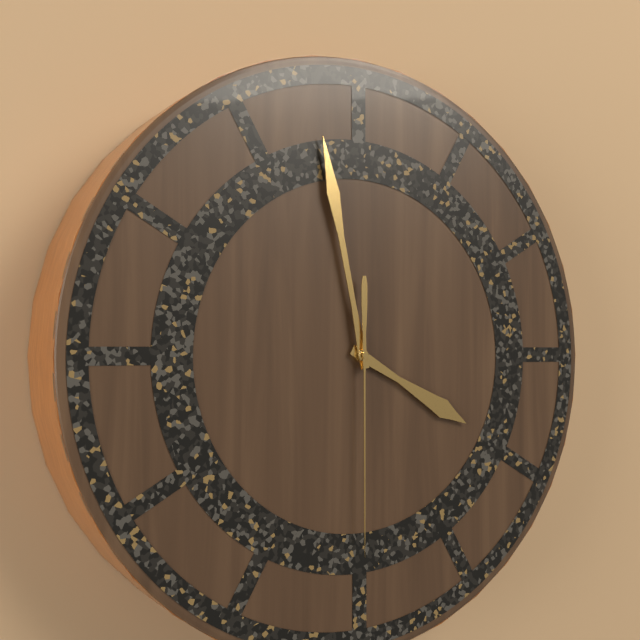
{"hour": 3, "minute": 58, "second": 30}
